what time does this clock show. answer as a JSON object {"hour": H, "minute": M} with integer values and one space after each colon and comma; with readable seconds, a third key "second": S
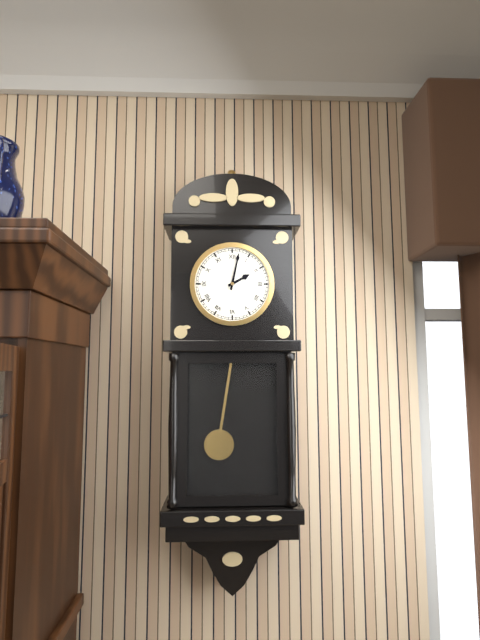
{"hour": 2, "minute": 2}
